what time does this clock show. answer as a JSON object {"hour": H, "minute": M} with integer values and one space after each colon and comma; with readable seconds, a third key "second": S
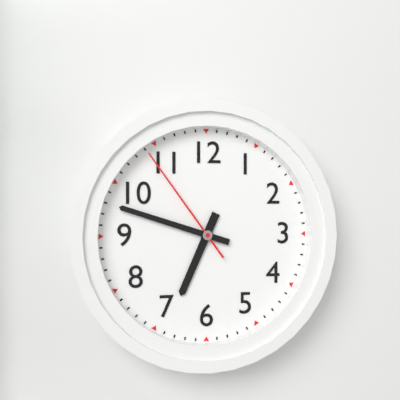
{"hour": 6, "minute": 48, "second": 54}
